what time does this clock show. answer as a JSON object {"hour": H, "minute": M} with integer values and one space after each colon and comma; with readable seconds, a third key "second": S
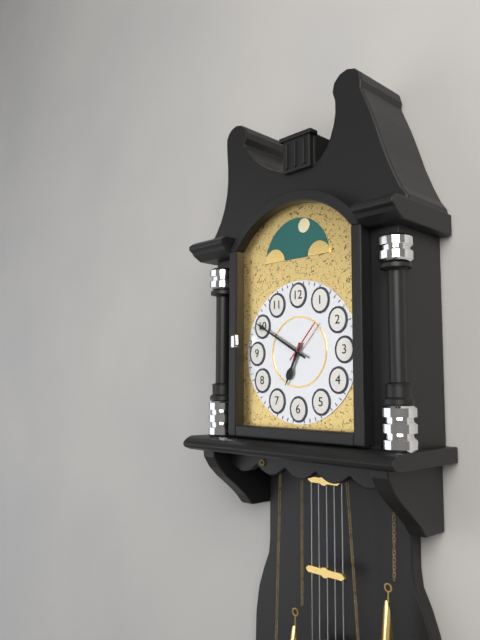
{"hour": 6, "minute": 50}
